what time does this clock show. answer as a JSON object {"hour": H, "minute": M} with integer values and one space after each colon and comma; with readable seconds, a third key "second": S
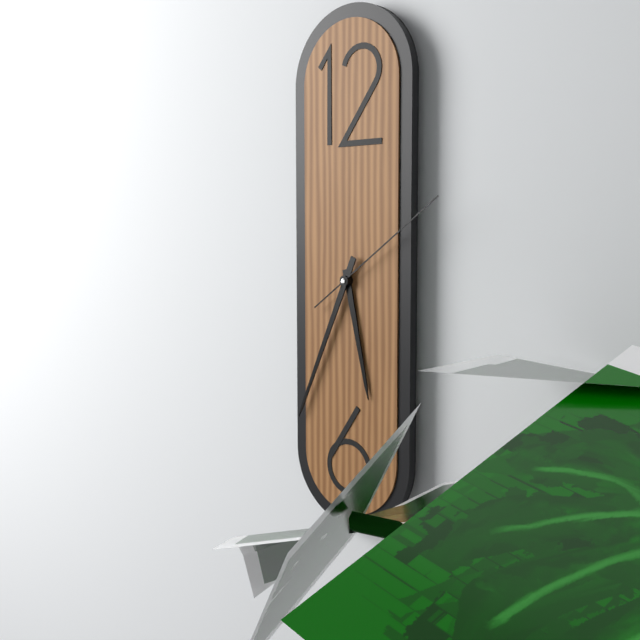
{"hour": 5, "minute": 34, "second": 9}
